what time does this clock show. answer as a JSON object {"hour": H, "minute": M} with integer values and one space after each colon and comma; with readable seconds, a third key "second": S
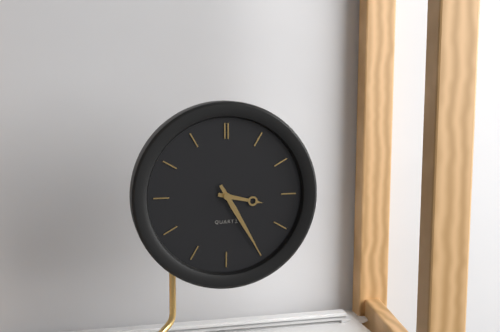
{"hour": 3, "minute": 25}
